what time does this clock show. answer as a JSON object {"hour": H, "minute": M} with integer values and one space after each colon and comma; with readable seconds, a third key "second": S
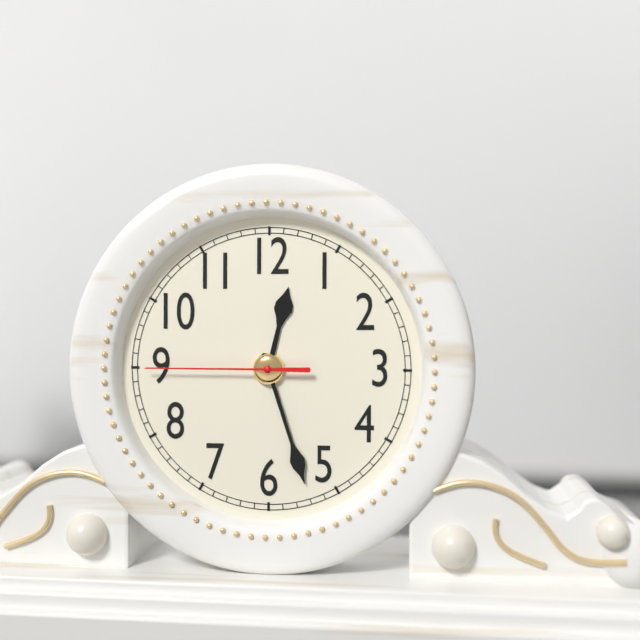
{"hour": 12, "minute": 27, "second": 45}
